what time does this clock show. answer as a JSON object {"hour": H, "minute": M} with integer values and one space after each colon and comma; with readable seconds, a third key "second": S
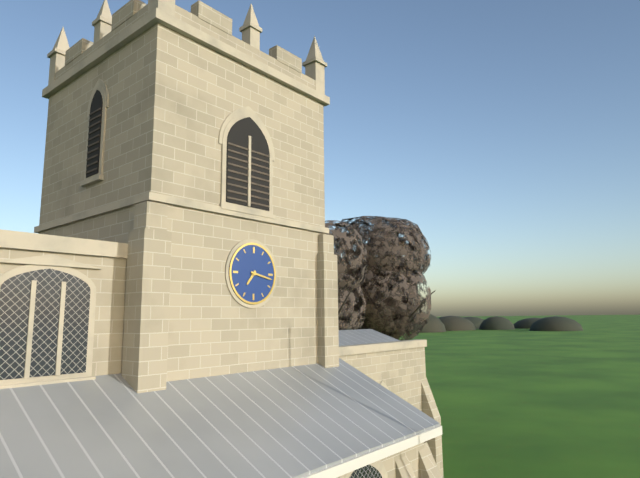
{"hour": 7, "minute": 17}
